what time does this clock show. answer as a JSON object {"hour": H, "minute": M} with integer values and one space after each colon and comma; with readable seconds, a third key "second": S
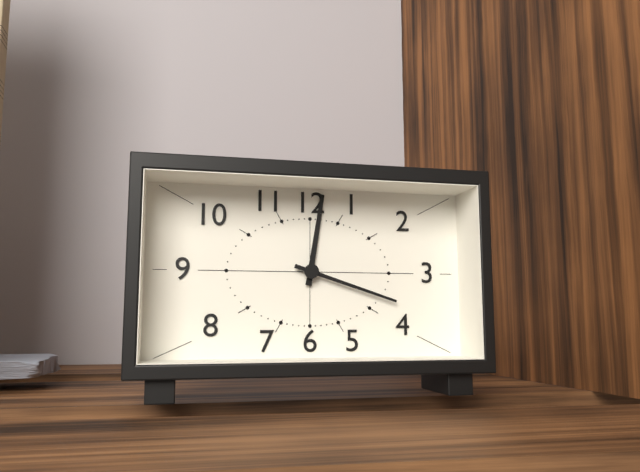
{"hour": 12, "minute": 18}
